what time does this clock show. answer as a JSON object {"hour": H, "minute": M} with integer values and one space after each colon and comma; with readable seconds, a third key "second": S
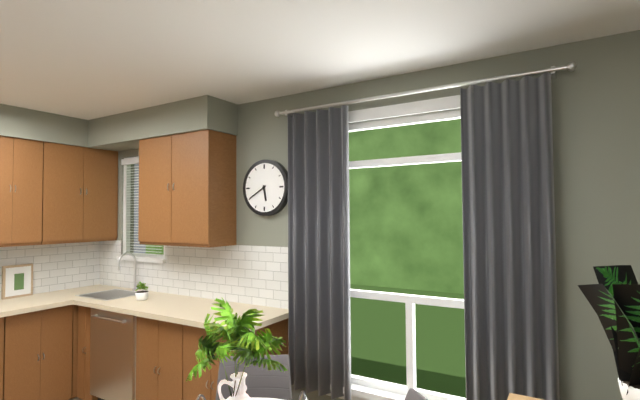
{"hour": 5, "minute": 40}
